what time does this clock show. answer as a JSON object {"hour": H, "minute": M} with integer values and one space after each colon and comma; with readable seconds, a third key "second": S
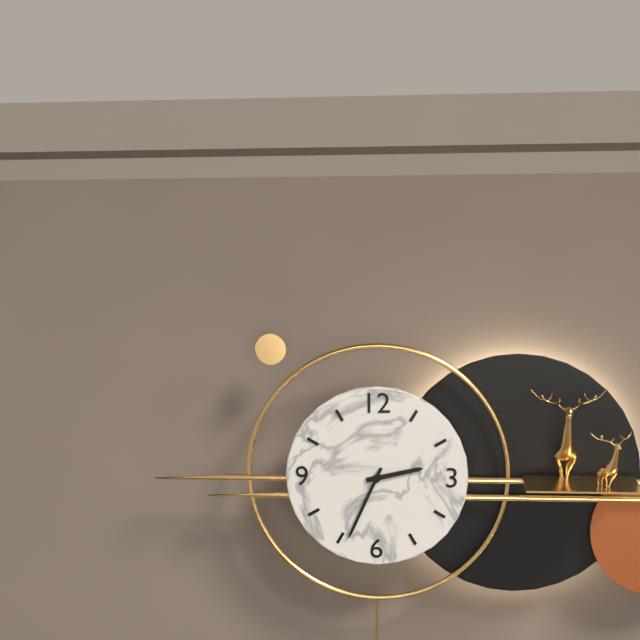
{"hour": 2, "minute": 34}
